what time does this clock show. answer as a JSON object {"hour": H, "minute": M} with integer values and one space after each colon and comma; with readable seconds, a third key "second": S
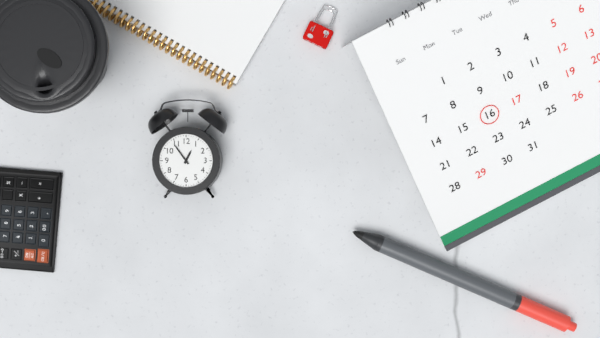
{"hour": 12, "minute": 54}
